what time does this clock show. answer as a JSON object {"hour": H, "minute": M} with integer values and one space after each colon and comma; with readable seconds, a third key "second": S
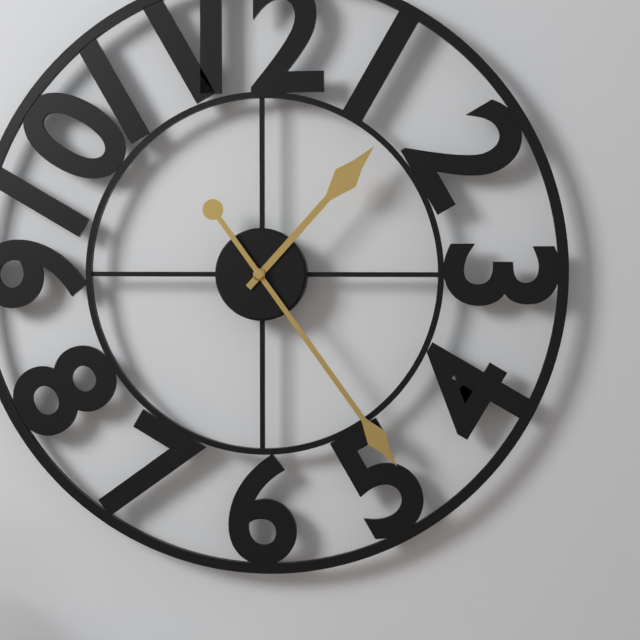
{"hour": 1, "minute": 24}
